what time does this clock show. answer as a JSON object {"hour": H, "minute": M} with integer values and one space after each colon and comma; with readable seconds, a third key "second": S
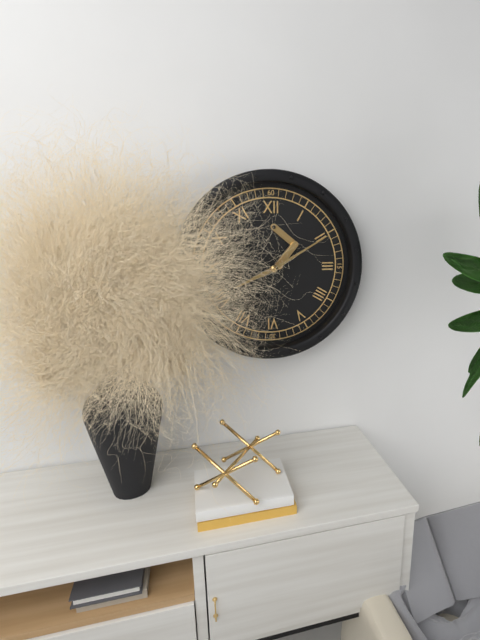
{"hour": 8, "minute": 10}
